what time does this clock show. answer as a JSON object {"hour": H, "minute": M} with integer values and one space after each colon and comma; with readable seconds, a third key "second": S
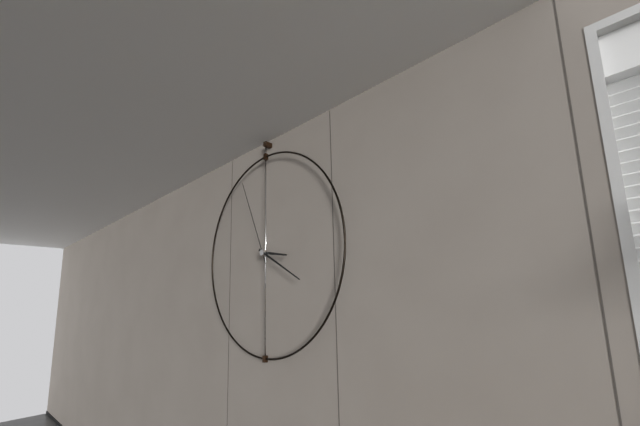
{"hour": 3, "minute": 20, "second": 56}
